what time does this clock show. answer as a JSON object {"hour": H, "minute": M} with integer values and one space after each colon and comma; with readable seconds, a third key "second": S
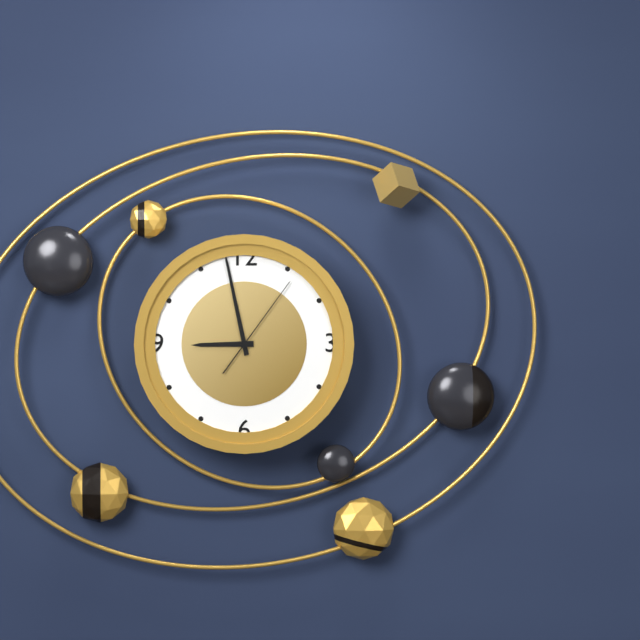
{"hour": 8, "minute": 58, "second": 6}
